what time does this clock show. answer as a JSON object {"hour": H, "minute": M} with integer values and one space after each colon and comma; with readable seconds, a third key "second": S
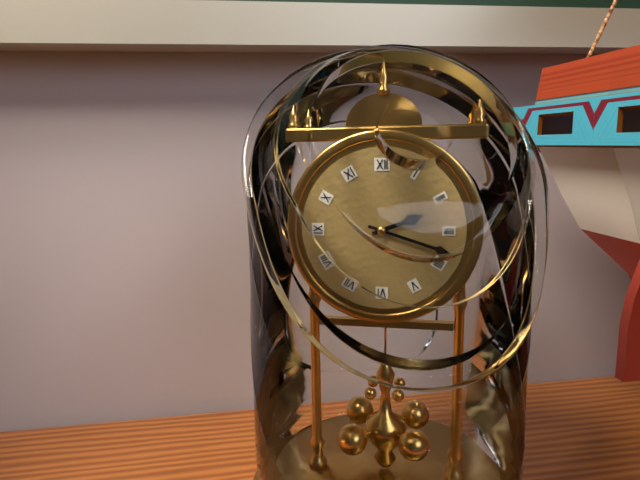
{"hour": 2, "minute": 18}
